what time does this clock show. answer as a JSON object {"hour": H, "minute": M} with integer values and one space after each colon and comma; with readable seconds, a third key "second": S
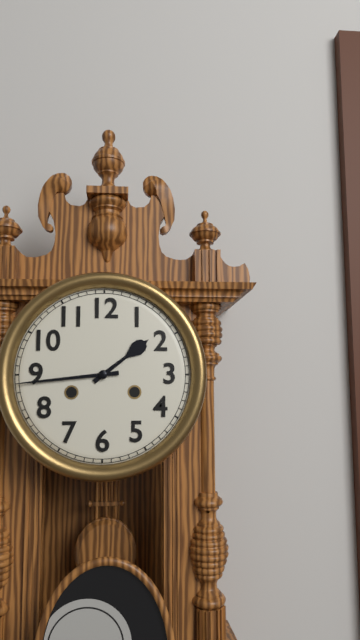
{"hour": 1, "minute": 44}
